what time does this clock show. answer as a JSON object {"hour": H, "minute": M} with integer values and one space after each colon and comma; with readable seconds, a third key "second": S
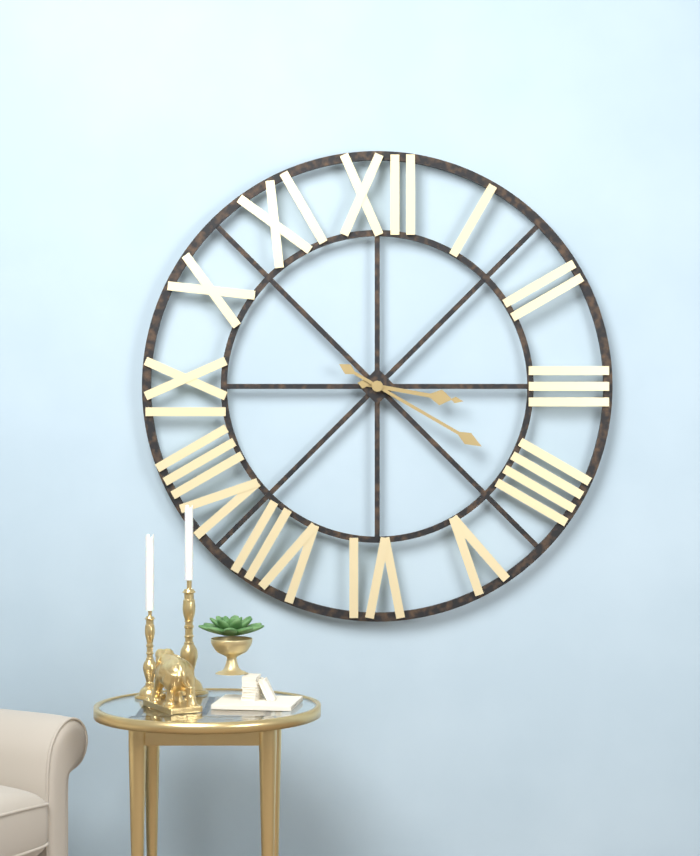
{"hour": 3, "minute": 20}
